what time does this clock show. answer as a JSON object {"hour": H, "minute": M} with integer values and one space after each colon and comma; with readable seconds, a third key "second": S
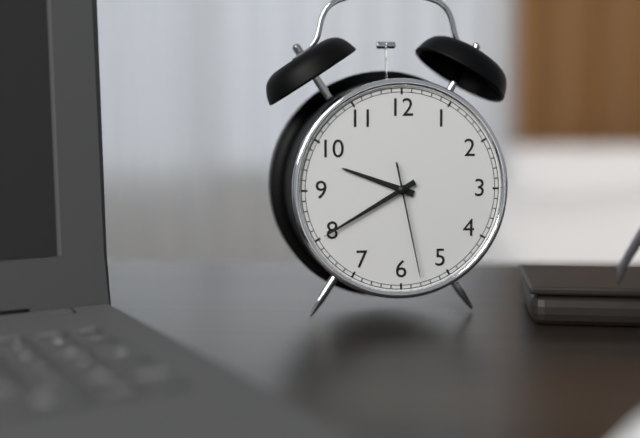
{"hour": 9, "minute": 40, "second": 28}
